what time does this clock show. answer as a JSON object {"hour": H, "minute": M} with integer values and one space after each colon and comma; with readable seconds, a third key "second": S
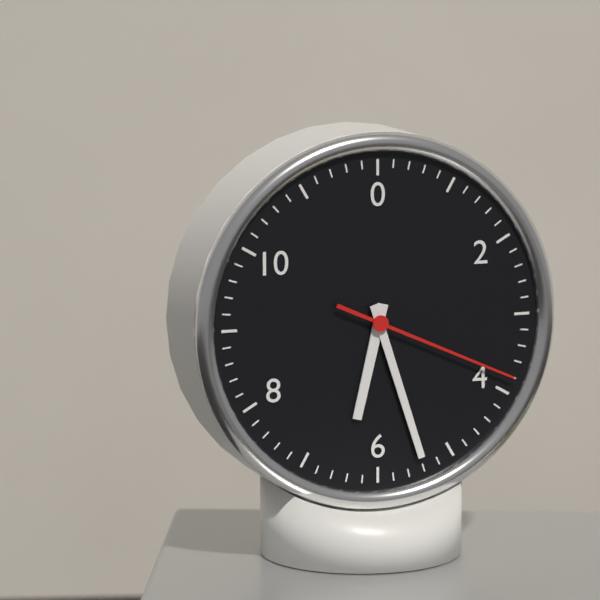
{"hour": 6, "minute": 27, "second": 19}
